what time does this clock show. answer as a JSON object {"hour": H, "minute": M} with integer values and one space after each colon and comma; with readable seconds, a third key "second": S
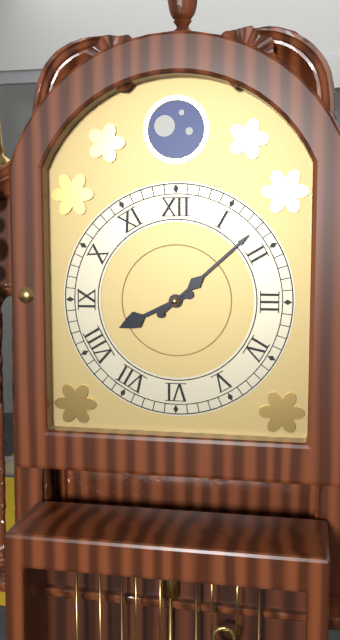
{"hour": 8, "minute": 8}
